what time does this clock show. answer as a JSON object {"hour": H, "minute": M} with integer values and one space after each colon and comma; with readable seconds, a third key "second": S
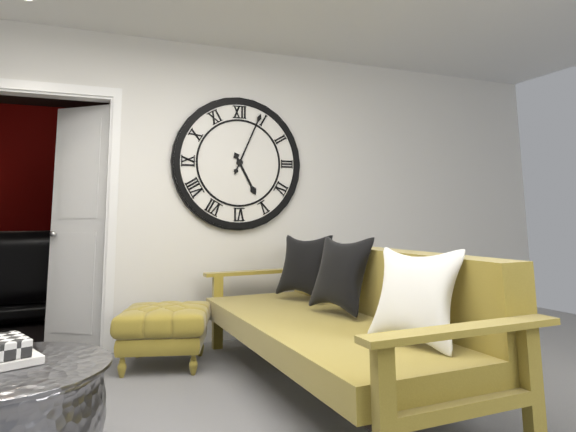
{"hour": 5, "minute": 4}
